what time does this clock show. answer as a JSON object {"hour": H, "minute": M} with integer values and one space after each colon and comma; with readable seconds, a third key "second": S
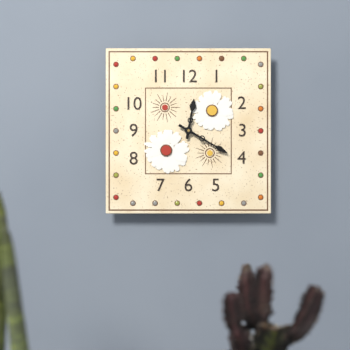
{"hour": 12, "minute": 20}
